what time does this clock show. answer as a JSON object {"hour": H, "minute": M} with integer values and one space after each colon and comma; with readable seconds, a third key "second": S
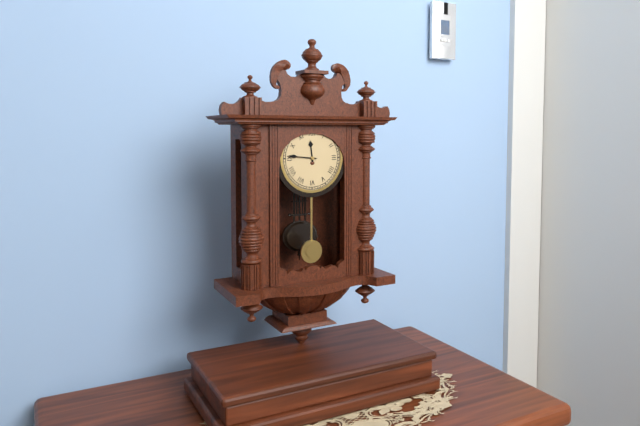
{"hour": 11, "minute": 46}
